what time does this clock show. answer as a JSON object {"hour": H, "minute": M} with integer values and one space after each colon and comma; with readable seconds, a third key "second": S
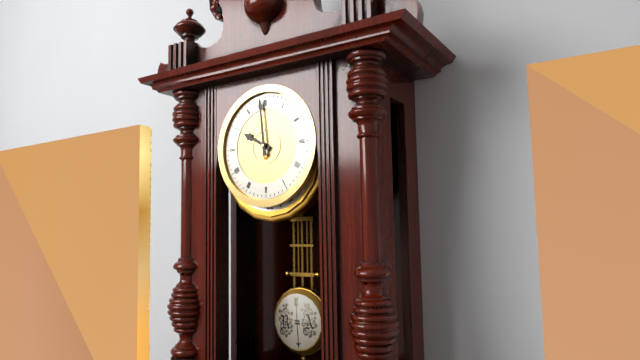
{"hour": 9, "minute": 59}
